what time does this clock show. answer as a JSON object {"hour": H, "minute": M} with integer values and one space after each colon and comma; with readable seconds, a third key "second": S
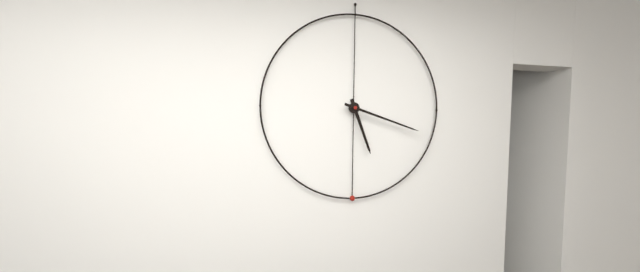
{"hour": 5, "minute": 18}
